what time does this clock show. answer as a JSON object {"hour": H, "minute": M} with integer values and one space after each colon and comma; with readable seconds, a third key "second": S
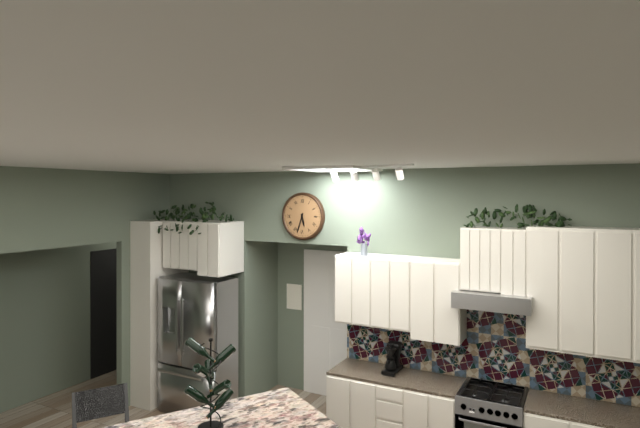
{"hour": 5, "minute": 33}
